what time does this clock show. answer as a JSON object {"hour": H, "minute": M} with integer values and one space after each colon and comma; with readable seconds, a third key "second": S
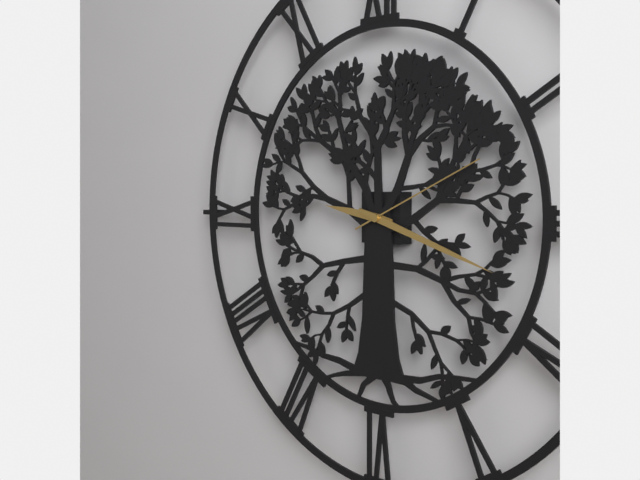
{"hour": 9, "minute": 18, "second": 11}
